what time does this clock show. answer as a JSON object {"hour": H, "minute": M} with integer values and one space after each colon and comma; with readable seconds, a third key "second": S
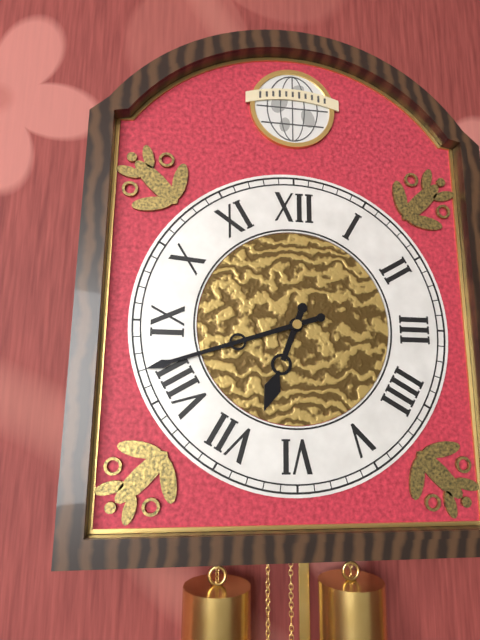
{"hour": 6, "minute": 42}
